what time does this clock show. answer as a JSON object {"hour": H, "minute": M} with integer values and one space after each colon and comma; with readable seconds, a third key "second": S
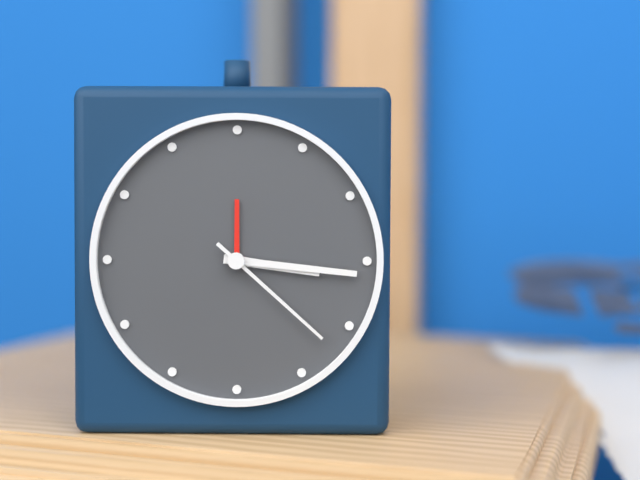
{"hour": 3, "minute": 16, "second": 22}
